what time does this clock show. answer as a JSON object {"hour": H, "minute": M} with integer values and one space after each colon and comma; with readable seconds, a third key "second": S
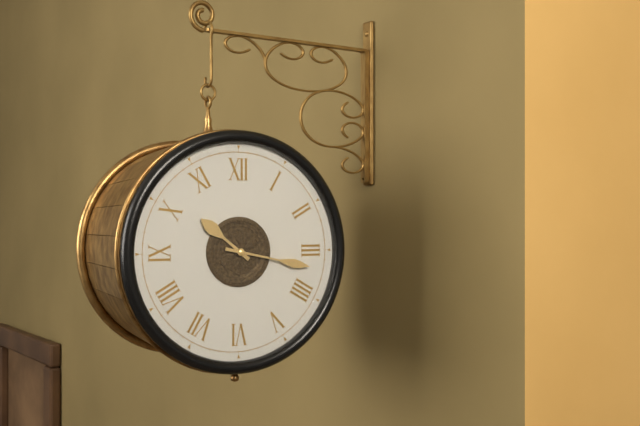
{"hour": 10, "minute": 17}
